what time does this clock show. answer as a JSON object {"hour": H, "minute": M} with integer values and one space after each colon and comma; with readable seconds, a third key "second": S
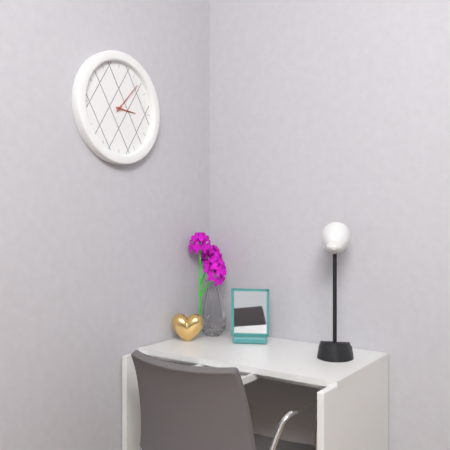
{"hour": 3, "minute": 7}
